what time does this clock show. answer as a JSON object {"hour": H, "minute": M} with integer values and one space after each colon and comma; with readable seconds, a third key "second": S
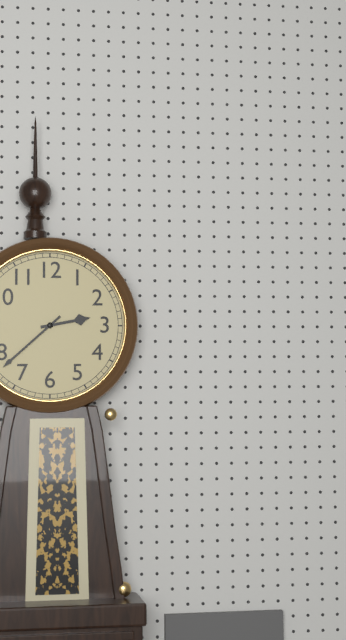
{"hour": 2, "minute": 38}
